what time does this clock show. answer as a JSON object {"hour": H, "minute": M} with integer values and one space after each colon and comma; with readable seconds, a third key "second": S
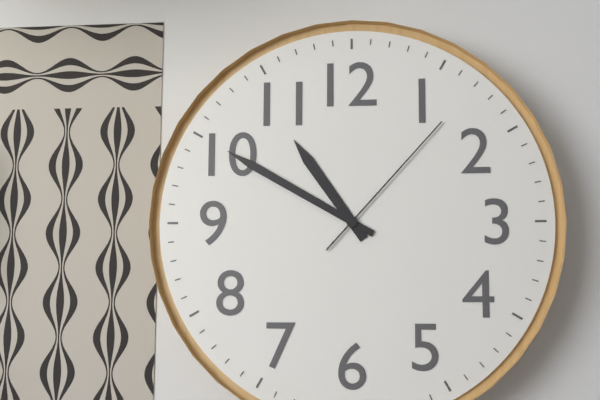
{"hour": 10, "minute": 50, "second": 7}
